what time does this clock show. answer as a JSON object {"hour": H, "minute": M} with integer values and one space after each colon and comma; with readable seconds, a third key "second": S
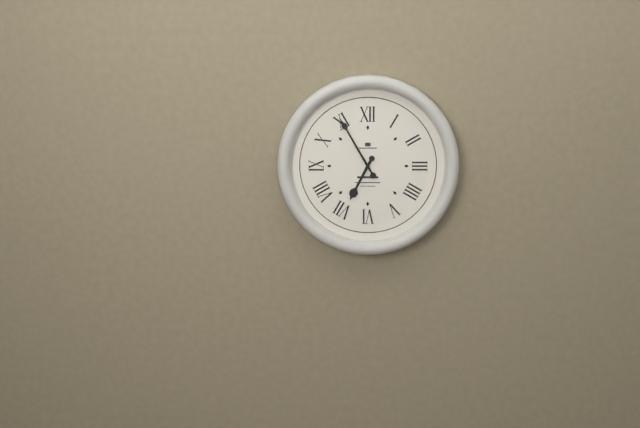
{"hour": 6, "minute": 55}
